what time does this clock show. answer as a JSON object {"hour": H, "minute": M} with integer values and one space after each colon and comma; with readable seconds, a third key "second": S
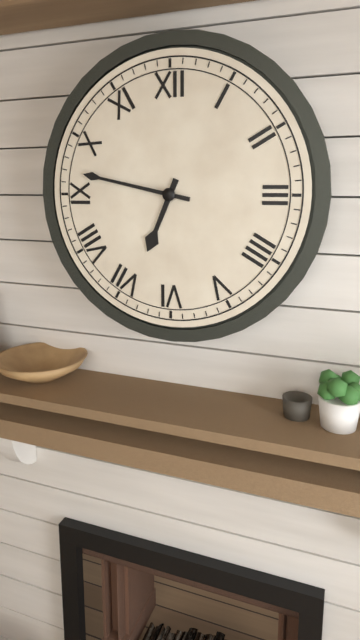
{"hour": 6, "minute": 47}
